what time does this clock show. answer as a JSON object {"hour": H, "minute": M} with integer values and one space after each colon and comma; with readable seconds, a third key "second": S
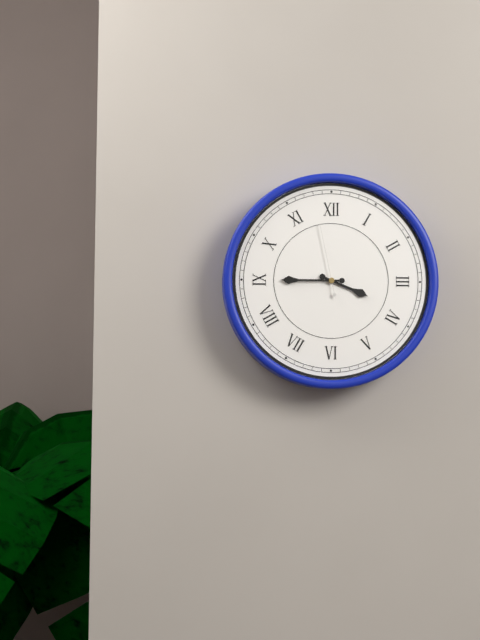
{"hour": 3, "minute": 45, "second": 58}
